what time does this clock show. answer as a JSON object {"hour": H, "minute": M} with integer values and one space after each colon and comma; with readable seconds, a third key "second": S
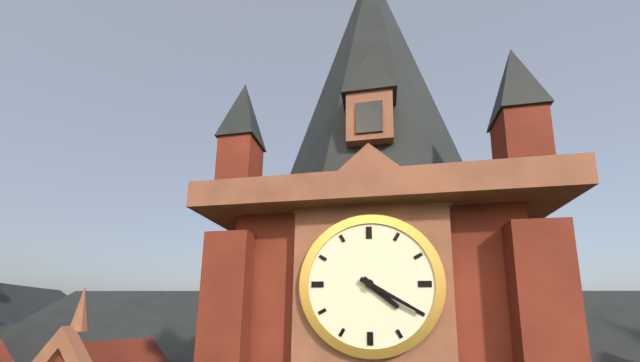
{"hour": 4, "minute": 20}
